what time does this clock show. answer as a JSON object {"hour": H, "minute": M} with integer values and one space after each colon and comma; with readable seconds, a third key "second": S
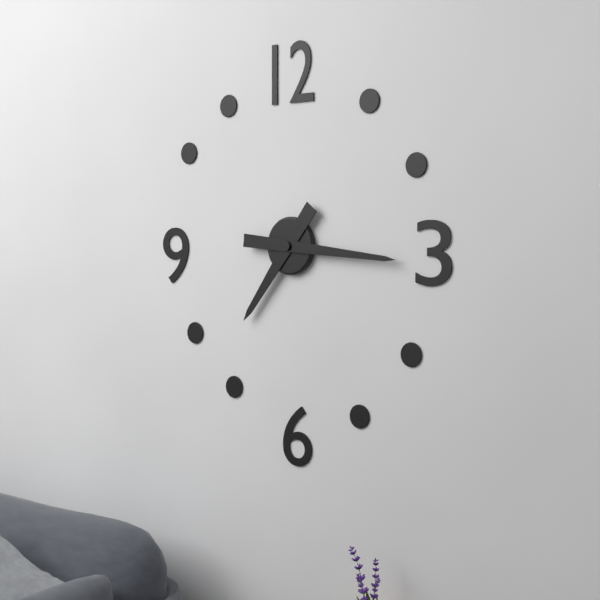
{"hour": 7, "minute": 16}
